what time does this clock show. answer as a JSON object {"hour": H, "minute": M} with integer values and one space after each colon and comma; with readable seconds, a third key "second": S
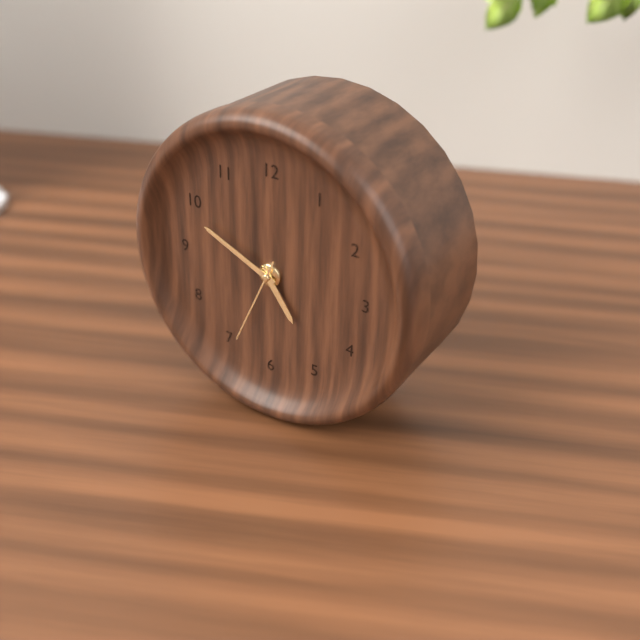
{"hour": 4, "minute": 49, "second": 34}
